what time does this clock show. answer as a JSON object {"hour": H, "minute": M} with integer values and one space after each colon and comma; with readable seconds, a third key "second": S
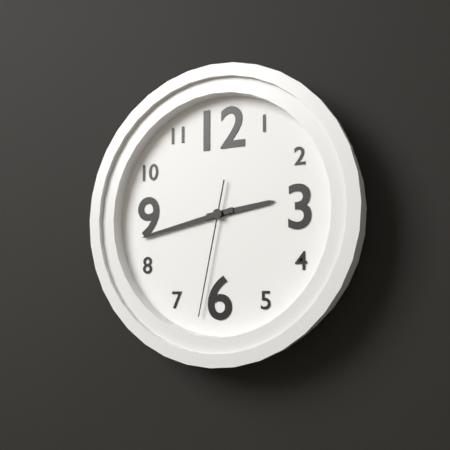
{"hour": 2, "minute": 43, "second": 32}
